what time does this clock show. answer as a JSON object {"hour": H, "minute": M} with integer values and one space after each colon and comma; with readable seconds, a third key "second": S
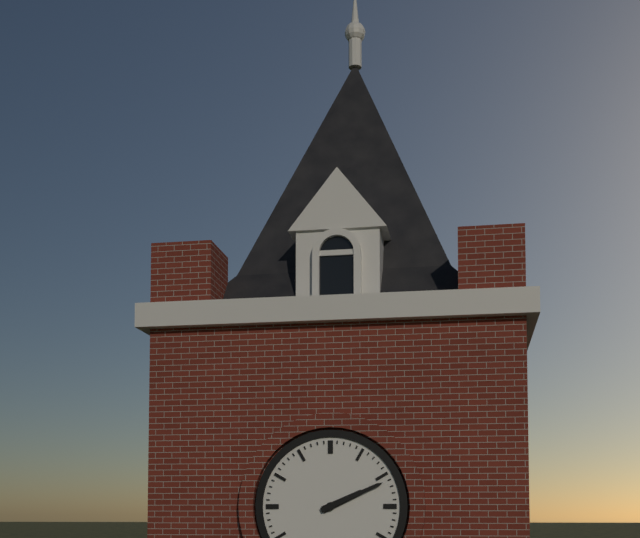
{"hour": 2, "minute": 11}
